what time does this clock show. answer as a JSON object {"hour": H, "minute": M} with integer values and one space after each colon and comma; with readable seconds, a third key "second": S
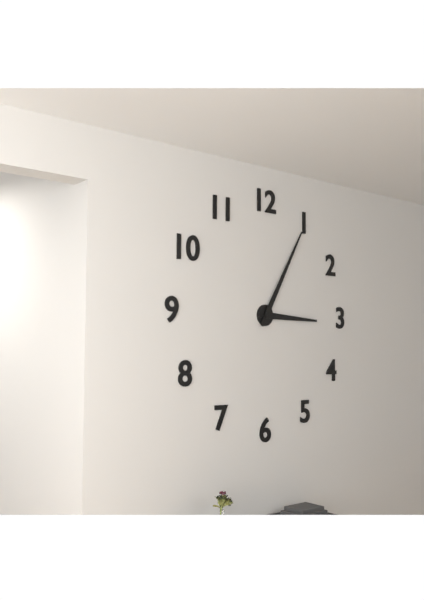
{"hour": 3, "minute": 5}
